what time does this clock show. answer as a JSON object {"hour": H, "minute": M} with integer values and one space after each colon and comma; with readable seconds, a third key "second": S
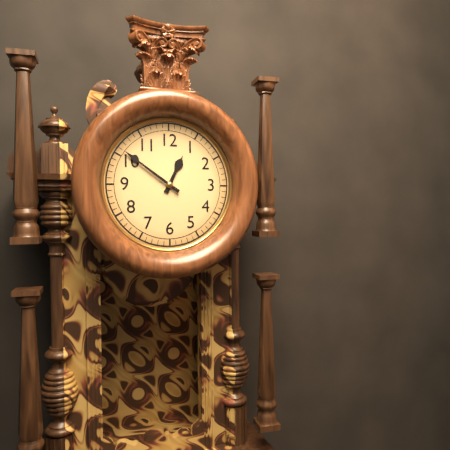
{"hour": 12, "minute": 51}
